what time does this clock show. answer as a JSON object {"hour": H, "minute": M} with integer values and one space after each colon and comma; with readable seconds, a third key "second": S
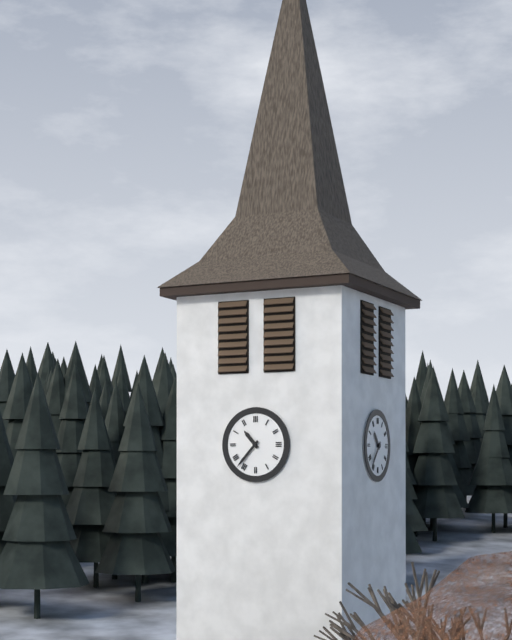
{"hour": 10, "minute": 37}
